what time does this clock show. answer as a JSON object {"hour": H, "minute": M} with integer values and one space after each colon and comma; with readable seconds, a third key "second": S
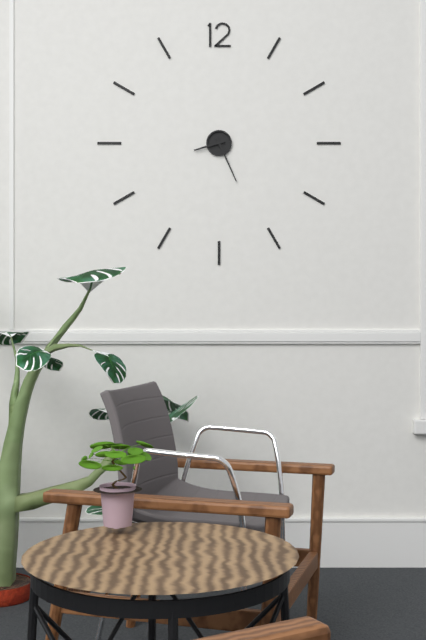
{"hour": 8, "minute": 26}
